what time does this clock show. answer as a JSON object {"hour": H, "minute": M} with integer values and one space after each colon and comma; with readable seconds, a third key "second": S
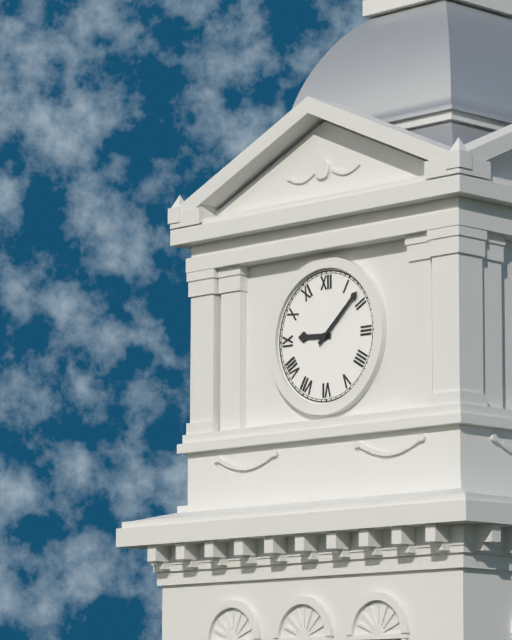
{"hour": 9, "minute": 8}
